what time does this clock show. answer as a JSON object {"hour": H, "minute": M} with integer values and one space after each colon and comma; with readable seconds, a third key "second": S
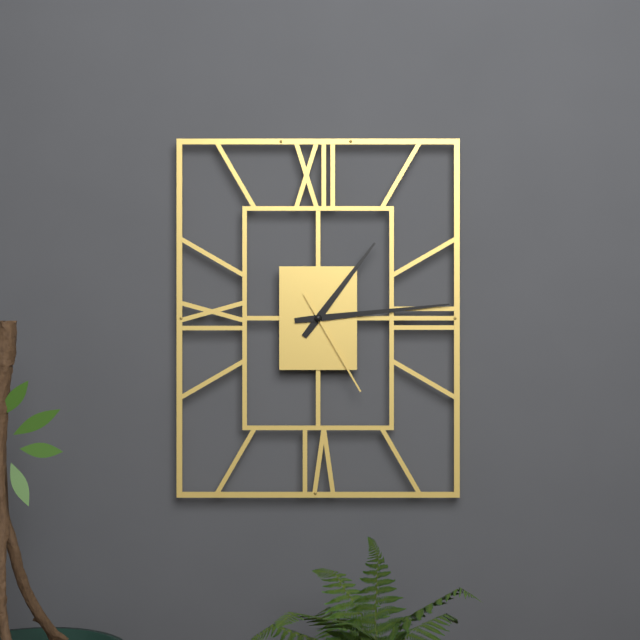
{"hour": 1, "minute": 14, "second": 25}
